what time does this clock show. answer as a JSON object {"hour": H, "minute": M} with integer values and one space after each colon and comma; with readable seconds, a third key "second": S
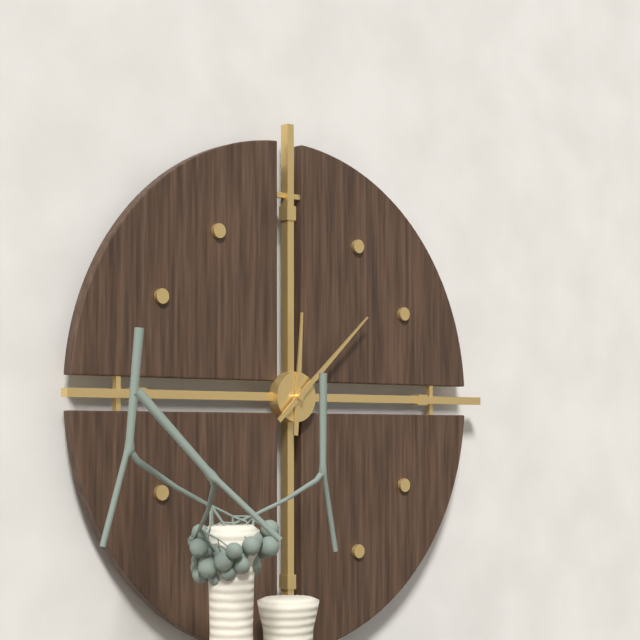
{"hour": 12, "minute": 8}
